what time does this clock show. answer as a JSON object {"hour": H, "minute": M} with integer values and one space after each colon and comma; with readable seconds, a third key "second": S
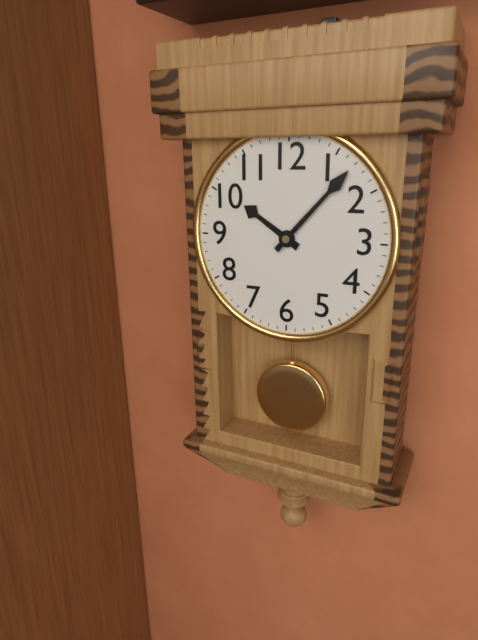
{"hour": 10, "minute": 7}
